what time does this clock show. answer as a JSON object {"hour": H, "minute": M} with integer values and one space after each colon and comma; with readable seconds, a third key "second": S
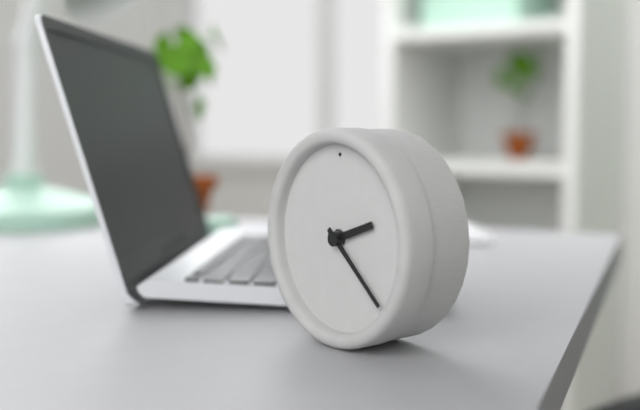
{"hour": 2, "minute": 22}
